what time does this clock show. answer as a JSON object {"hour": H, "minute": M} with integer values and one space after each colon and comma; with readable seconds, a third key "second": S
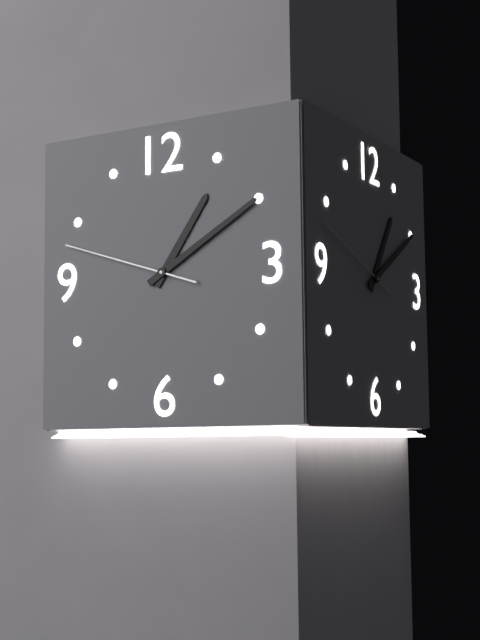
{"hour": 1, "minute": 10, "second": 48}
